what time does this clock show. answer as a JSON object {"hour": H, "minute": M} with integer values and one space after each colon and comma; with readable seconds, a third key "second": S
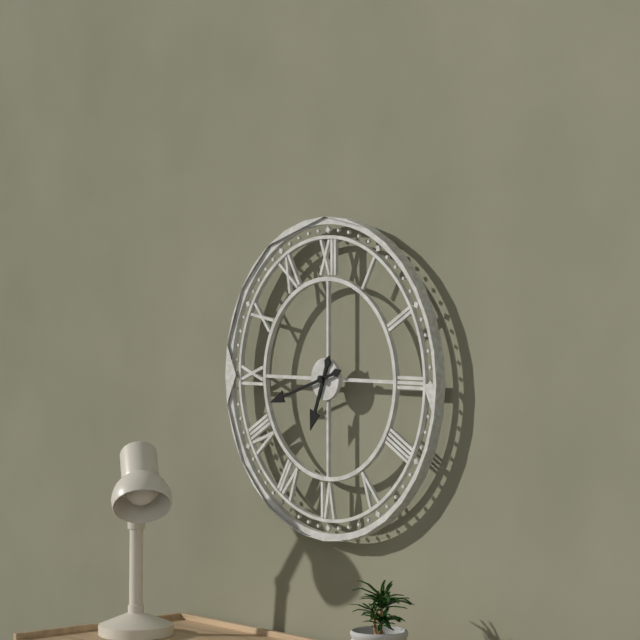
{"hour": 6, "minute": 42}
